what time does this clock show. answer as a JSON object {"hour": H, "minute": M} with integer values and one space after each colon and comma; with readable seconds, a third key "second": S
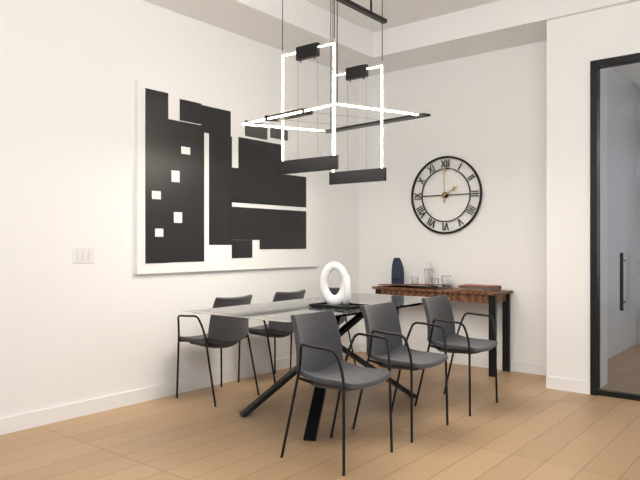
{"hour": 2, "minute": 0}
